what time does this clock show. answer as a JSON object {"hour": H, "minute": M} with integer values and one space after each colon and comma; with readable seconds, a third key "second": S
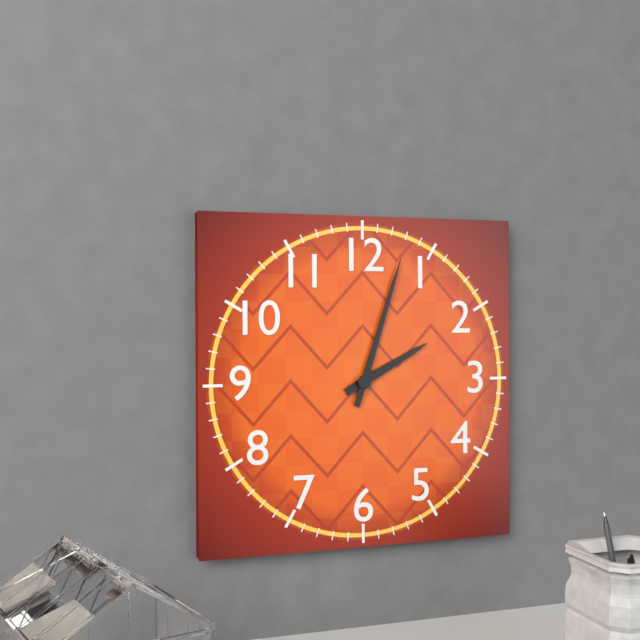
{"hour": 2, "minute": 3}
